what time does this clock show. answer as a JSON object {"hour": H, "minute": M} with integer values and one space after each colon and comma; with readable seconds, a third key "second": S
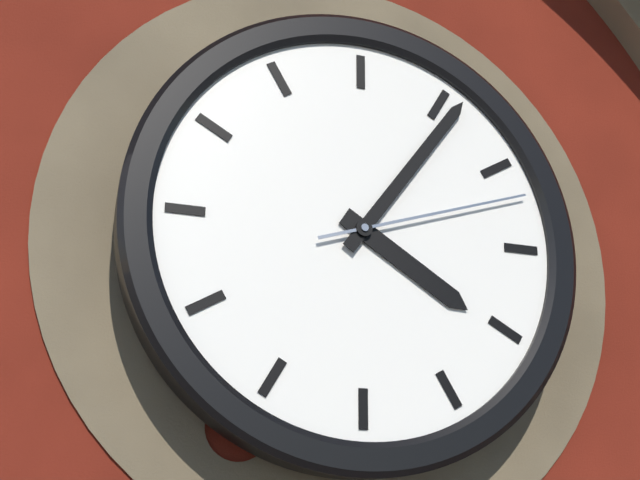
{"hour": 4, "minute": 6, "second": 12}
